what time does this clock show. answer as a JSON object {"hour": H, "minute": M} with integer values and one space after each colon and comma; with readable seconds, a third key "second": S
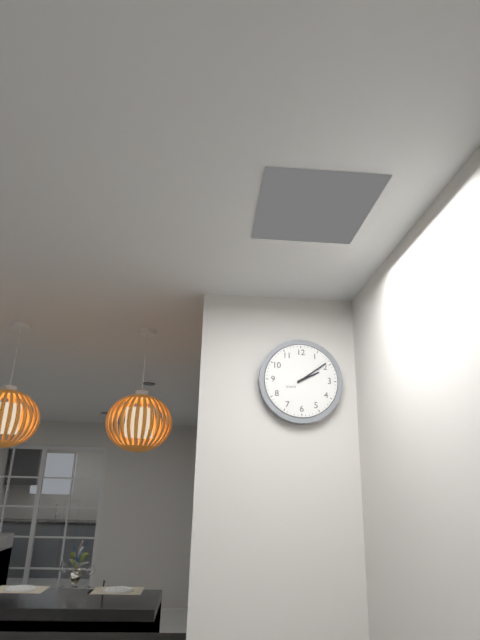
{"hour": 2, "minute": 9}
